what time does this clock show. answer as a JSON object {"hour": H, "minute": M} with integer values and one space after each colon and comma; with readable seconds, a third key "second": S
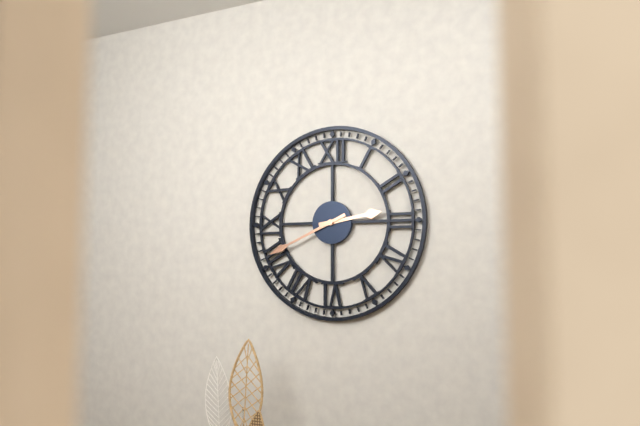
{"hour": 2, "minute": 41}
